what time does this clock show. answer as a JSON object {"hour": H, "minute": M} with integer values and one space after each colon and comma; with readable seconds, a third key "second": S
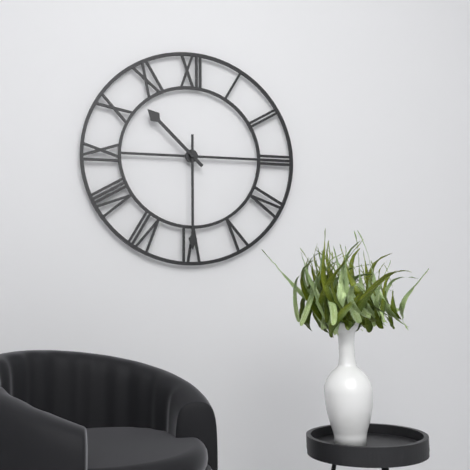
{"hour": 10, "minute": 30}
